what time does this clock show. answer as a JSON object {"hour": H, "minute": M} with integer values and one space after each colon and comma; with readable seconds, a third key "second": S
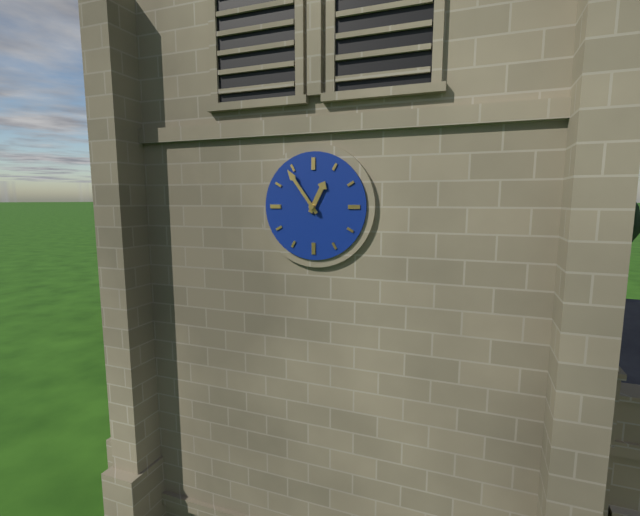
{"hour": 12, "minute": 54}
